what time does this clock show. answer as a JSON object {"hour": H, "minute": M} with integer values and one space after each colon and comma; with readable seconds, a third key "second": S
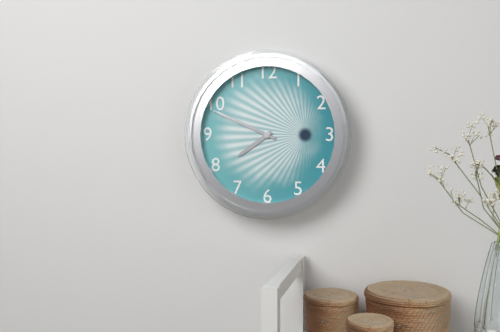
{"hour": 7, "minute": 49}
